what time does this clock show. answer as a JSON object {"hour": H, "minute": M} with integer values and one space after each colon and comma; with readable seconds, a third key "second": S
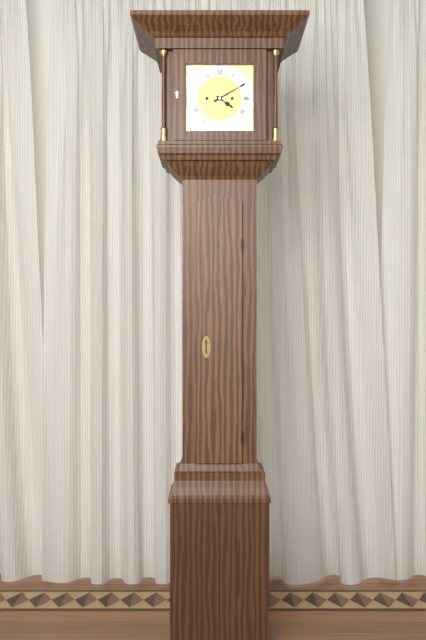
{"hour": 4, "minute": 10}
